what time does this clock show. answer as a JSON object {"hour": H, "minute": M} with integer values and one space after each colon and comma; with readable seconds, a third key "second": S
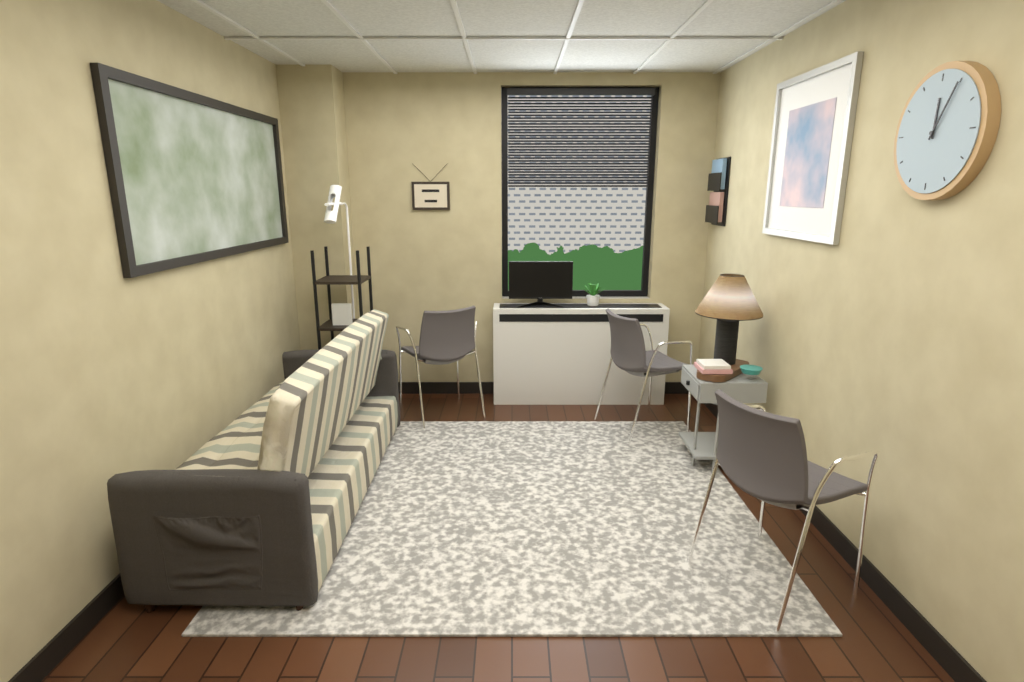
{"hour": 12, "minute": 5}
